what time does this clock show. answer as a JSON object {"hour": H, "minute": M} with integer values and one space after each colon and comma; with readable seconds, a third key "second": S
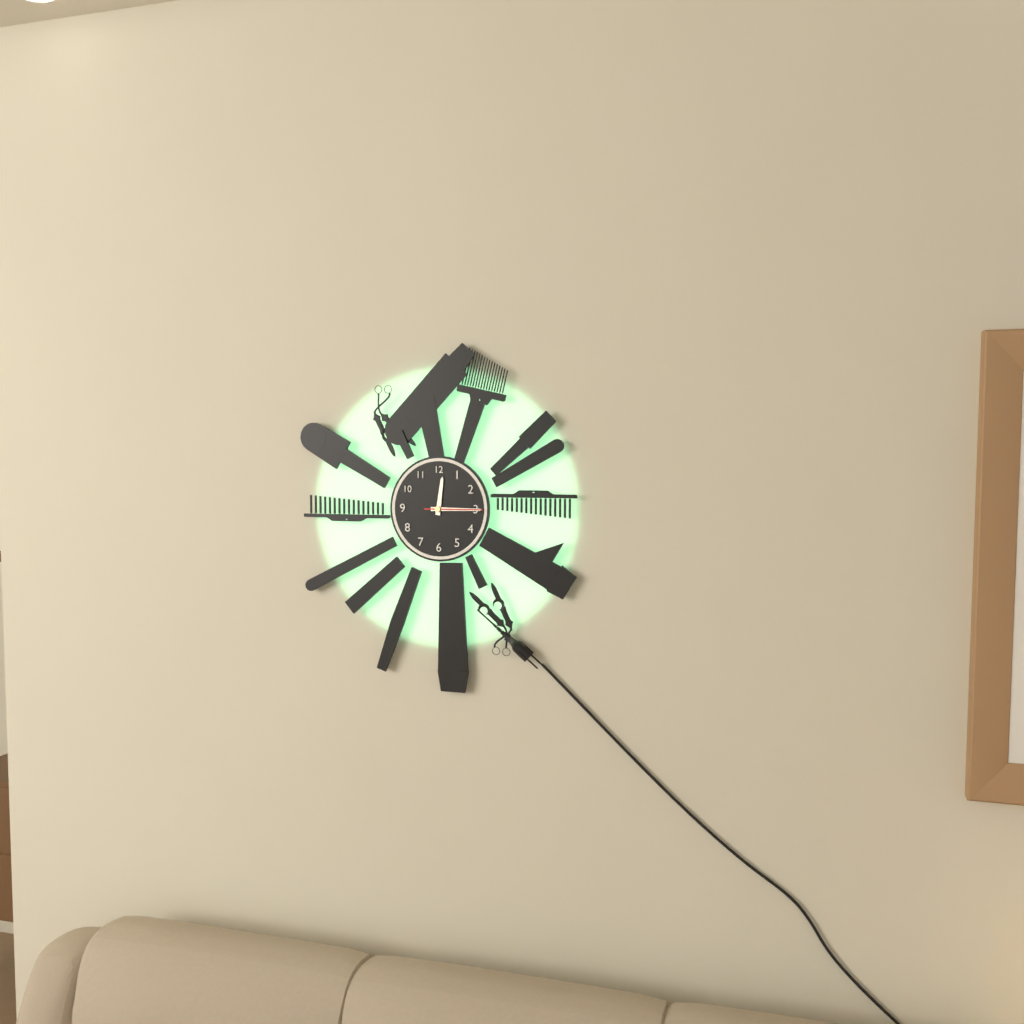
{"hour": 12, "minute": 15}
